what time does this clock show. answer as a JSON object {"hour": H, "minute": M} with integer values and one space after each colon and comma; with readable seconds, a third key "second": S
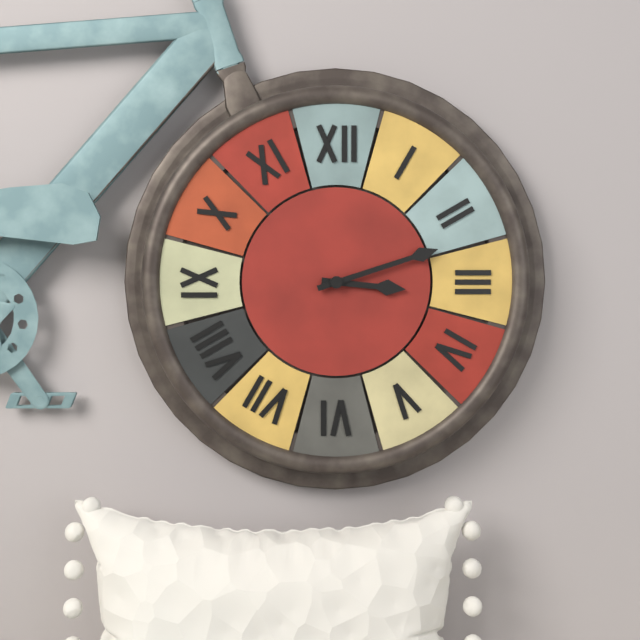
{"hour": 3, "minute": 12}
